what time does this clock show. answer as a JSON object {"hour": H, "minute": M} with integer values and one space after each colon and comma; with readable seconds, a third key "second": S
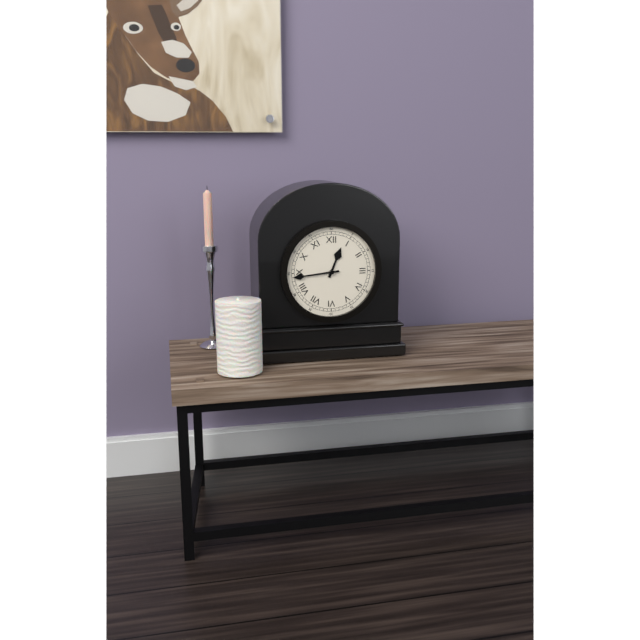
{"hour": 12, "minute": 44}
